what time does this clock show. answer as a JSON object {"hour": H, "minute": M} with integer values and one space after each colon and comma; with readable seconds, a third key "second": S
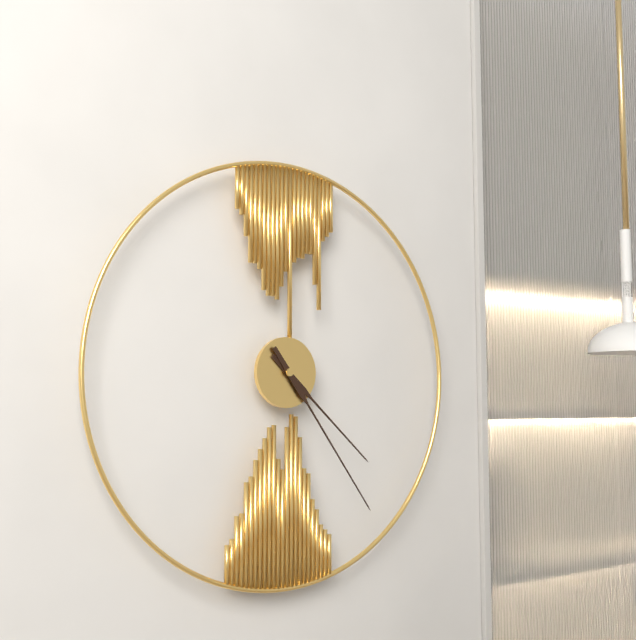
{"hour": 4, "minute": 24}
